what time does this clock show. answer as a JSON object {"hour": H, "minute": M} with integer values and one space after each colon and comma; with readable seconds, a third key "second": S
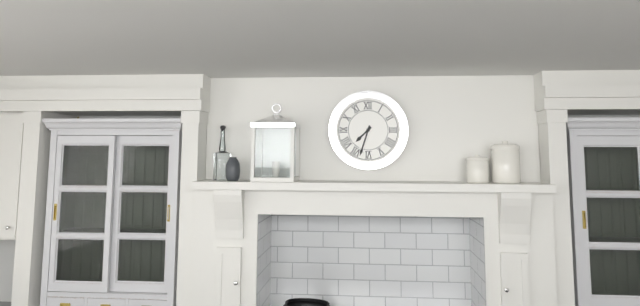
{"hour": 7, "minute": 33}
